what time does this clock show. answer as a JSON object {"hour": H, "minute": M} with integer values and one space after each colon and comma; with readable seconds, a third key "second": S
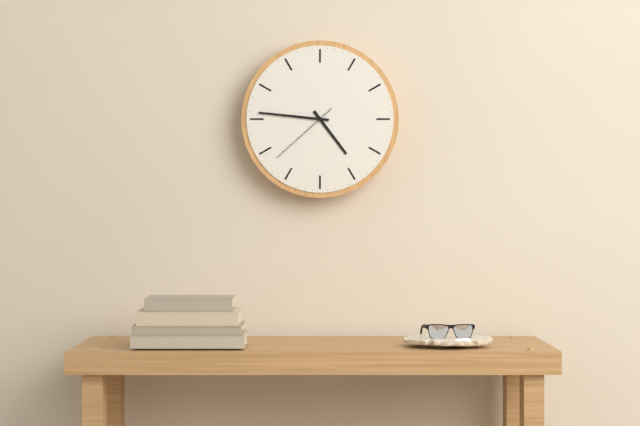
{"hour": 4, "minute": 46, "second": 38}
